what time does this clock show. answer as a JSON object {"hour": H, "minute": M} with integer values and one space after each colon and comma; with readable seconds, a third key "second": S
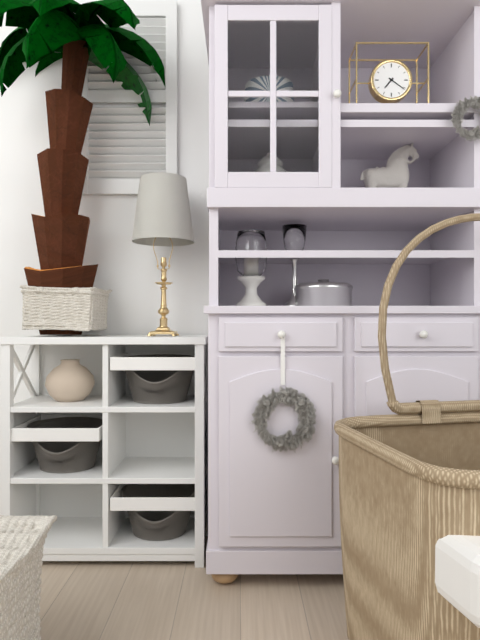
{"hour": 7, "minute": 21}
